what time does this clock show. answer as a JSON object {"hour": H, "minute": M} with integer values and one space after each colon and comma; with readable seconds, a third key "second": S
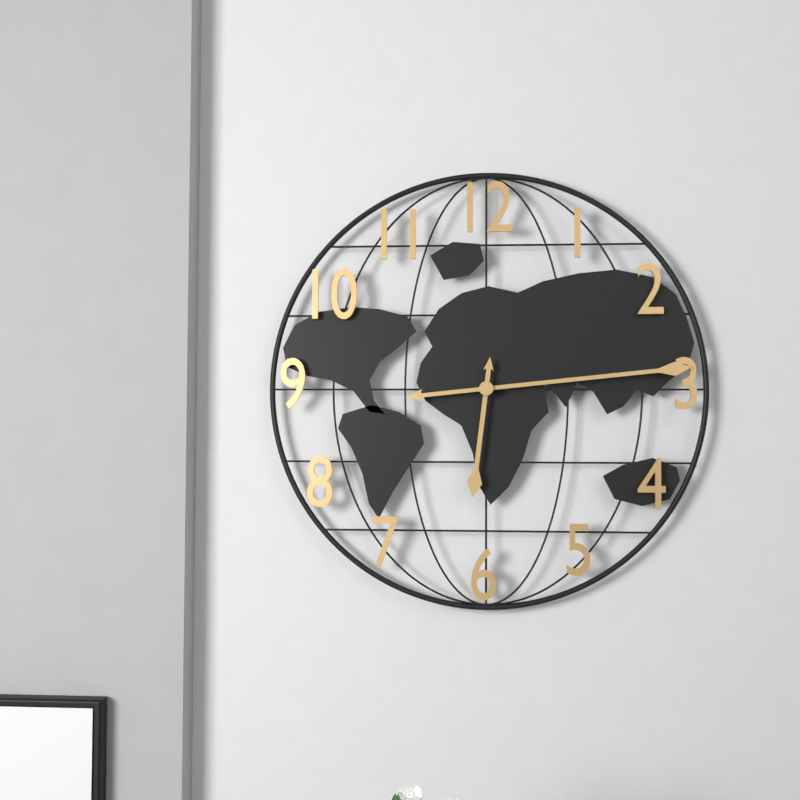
{"hour": 6, "minute": 14}
